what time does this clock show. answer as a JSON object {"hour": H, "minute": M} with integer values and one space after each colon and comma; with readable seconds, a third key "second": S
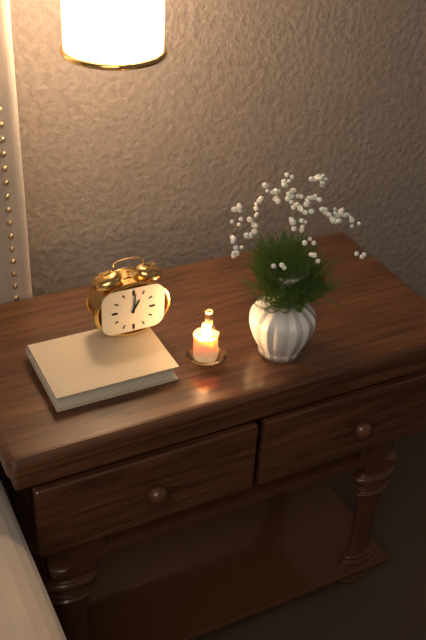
{"hour": 1, "minute": 1}
